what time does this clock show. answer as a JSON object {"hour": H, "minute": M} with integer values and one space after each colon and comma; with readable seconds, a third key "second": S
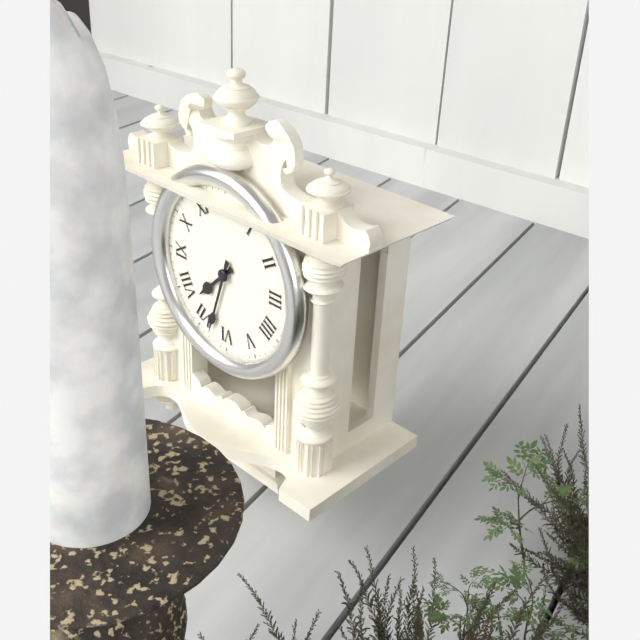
{"hour": 7, "minute": 33}
